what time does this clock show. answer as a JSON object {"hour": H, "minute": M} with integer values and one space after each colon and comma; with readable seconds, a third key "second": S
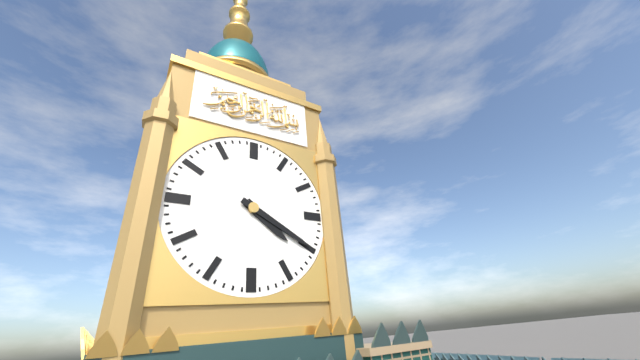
{"hour": 4, "minute": 20}
